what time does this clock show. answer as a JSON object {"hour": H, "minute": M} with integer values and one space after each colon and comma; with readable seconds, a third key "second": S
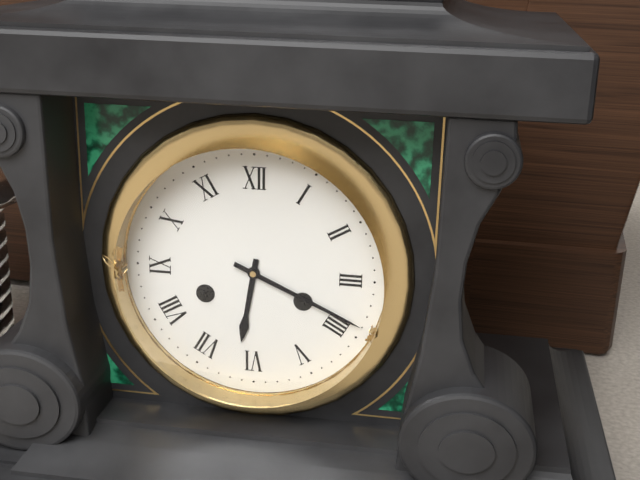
{"hour": 6, "minute": 19}
